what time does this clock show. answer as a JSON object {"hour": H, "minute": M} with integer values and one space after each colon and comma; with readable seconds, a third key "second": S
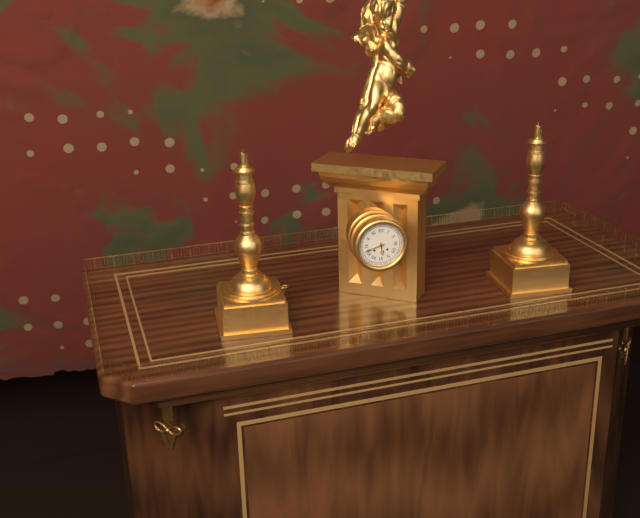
{"hour": 5, "minute": 42}
